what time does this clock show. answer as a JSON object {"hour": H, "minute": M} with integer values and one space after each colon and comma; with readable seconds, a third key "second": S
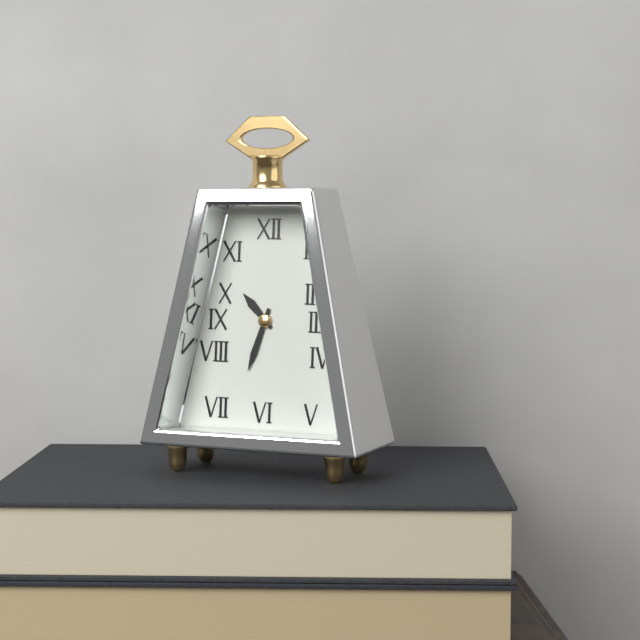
{"hour": 10, "minute": 33}
